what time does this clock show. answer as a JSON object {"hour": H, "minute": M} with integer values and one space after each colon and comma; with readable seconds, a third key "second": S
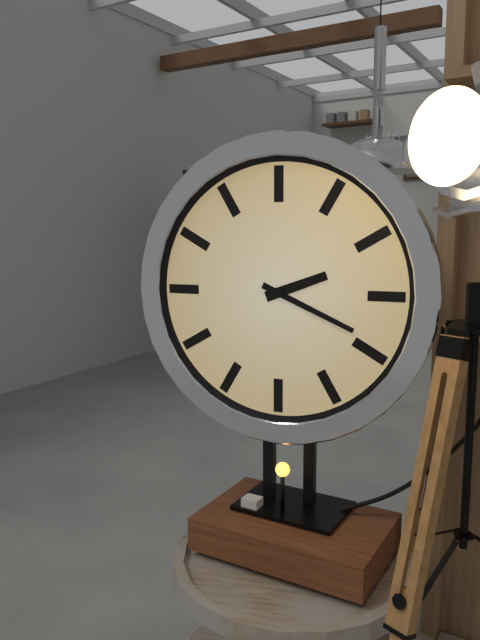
{"hour": 2, "minute": 19}
